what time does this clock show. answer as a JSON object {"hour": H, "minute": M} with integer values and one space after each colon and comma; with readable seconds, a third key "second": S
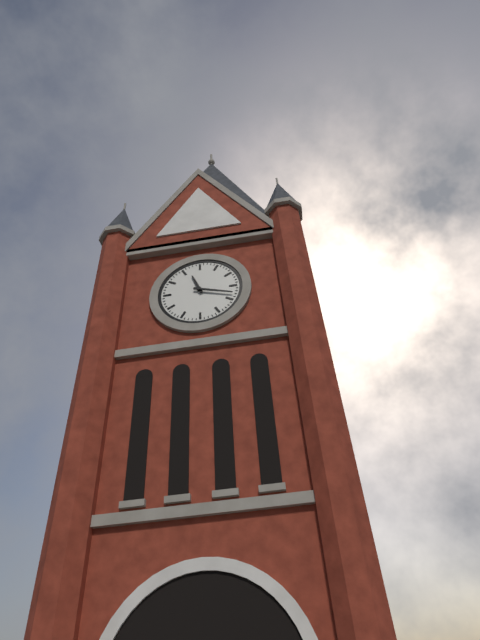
{"hour": 11, "minute": 18}
